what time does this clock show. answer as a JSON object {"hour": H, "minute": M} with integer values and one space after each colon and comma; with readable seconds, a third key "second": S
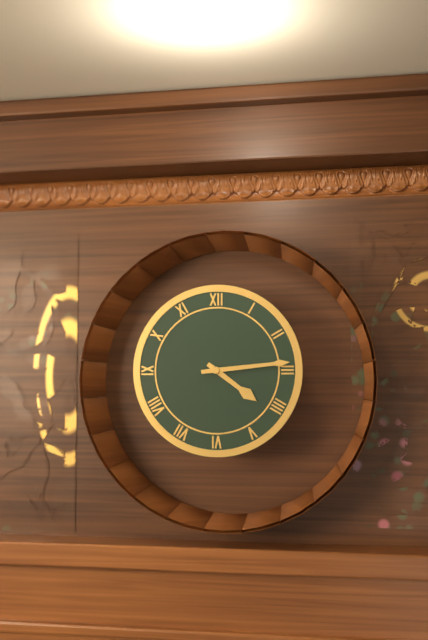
{"hour": 4, "minute": 14}
